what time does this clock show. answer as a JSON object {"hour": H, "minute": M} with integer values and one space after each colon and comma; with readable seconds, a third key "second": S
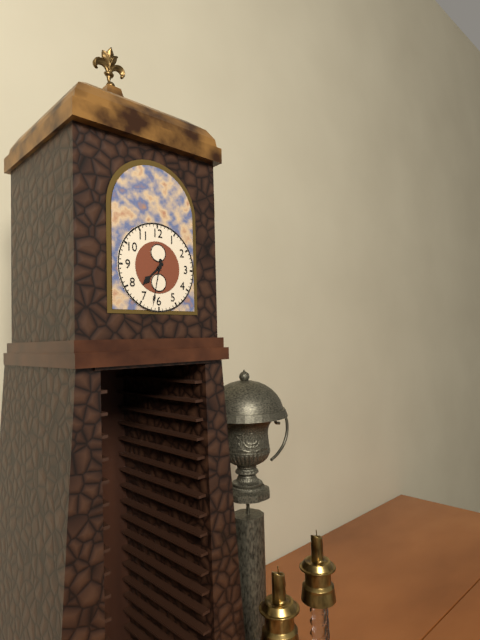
{"hour": 7, "minute": 32}
